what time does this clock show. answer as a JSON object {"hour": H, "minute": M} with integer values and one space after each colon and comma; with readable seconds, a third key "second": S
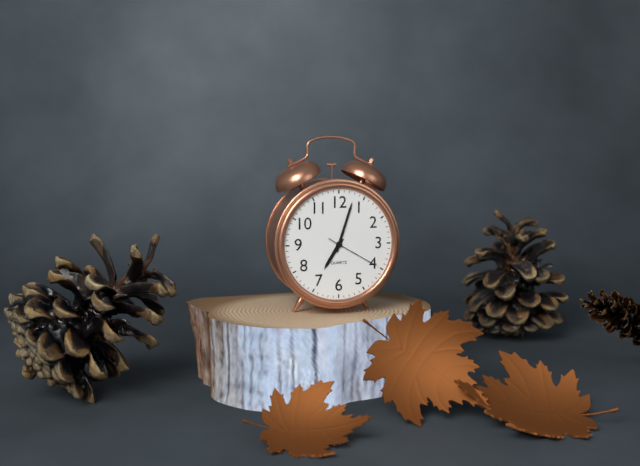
{"hour": 7, "minute": 3, "second": 20}
